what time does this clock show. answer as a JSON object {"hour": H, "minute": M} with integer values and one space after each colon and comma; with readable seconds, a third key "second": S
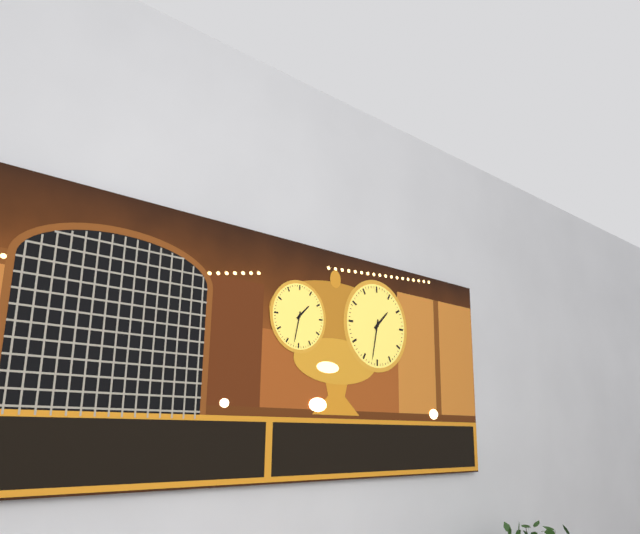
{"hour": 1, "minute": 32}
